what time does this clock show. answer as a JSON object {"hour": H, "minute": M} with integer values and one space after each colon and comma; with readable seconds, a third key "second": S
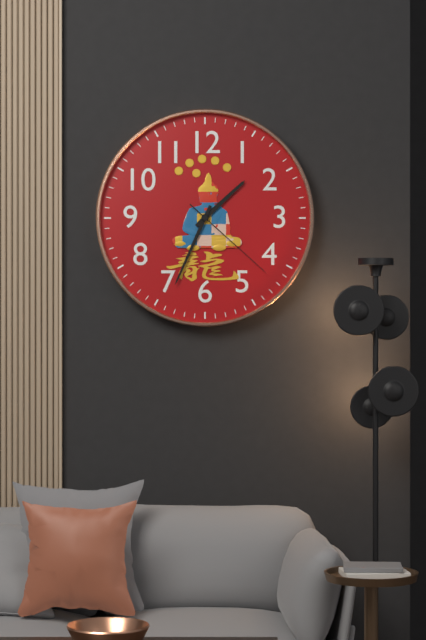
{"hour": 1, "minute": 34, "second": 22}
